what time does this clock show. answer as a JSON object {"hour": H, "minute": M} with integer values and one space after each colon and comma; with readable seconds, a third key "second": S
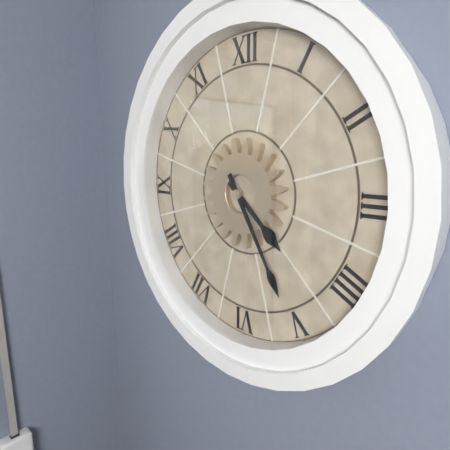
{"hour": 4, "minute": 25}
